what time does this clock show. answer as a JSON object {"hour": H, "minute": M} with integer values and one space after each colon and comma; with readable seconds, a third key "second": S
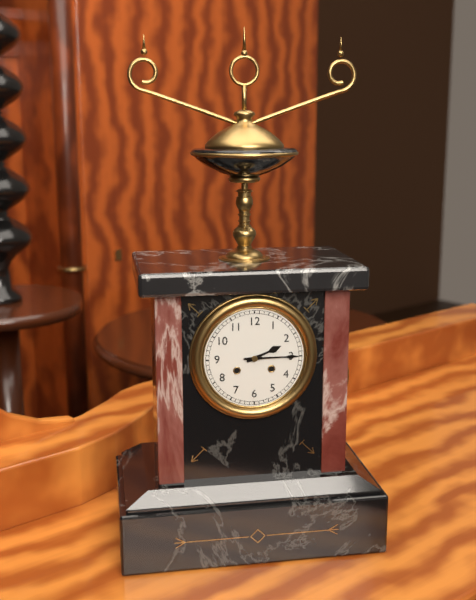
{"hour": 2, "minute": 15}
